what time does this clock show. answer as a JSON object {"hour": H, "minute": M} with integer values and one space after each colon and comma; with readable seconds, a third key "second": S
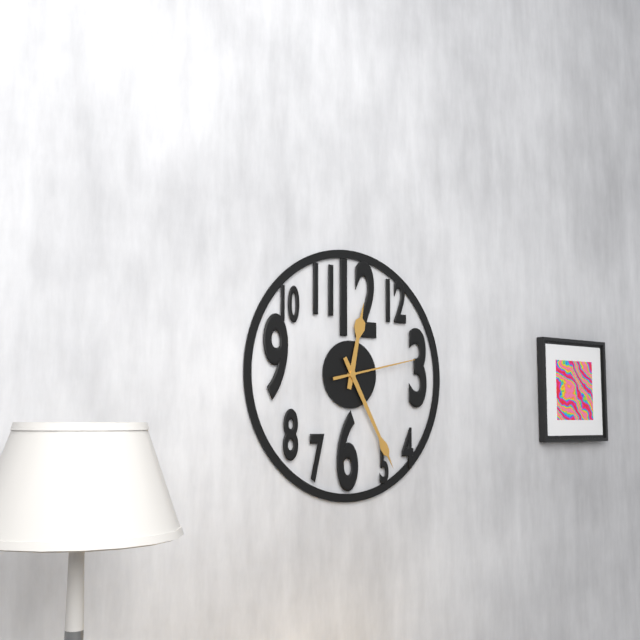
{"hour": 12, "minute": 25, "second": 13}
